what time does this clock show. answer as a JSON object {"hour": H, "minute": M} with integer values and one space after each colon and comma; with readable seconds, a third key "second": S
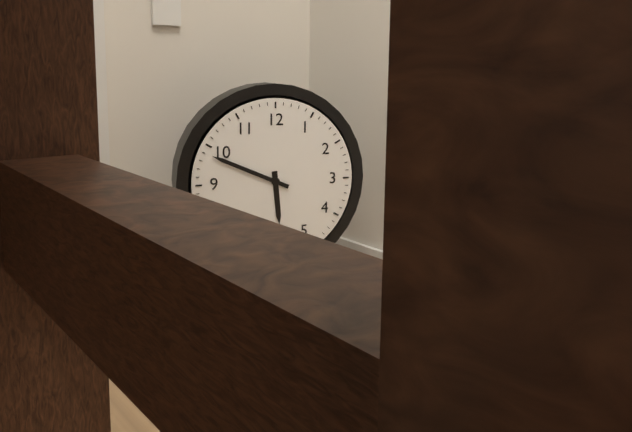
{"hour": 5, "minute": 49}
